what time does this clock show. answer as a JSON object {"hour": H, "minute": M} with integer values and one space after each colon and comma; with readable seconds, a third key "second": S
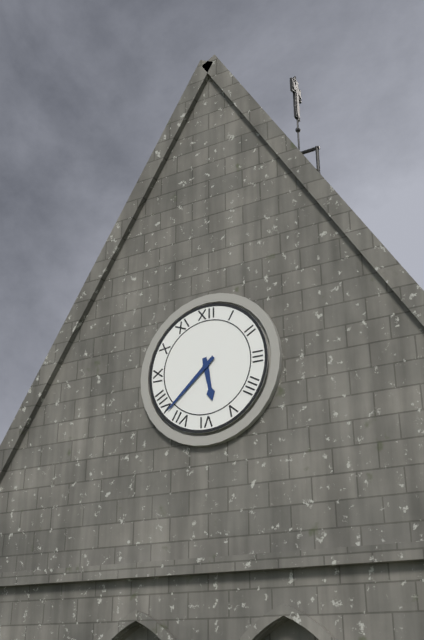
{"hour": 5, "minute": 38}
